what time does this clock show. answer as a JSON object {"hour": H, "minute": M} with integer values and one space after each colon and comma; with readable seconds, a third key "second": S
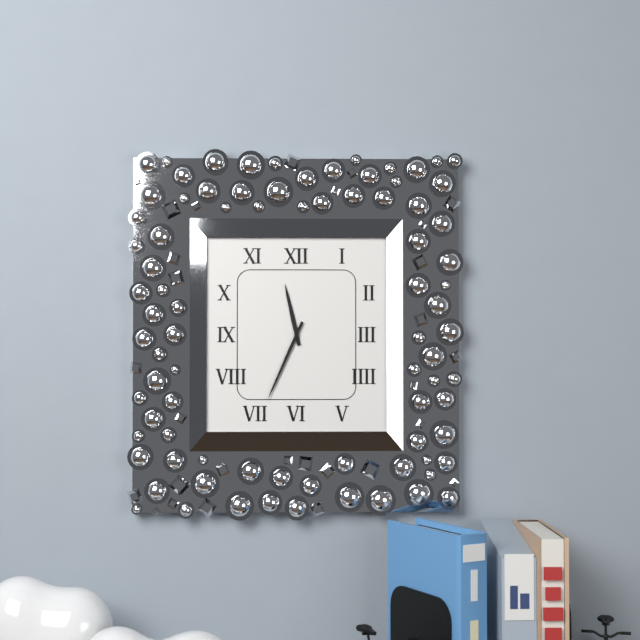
{"hour": 11, "minute": 34}
